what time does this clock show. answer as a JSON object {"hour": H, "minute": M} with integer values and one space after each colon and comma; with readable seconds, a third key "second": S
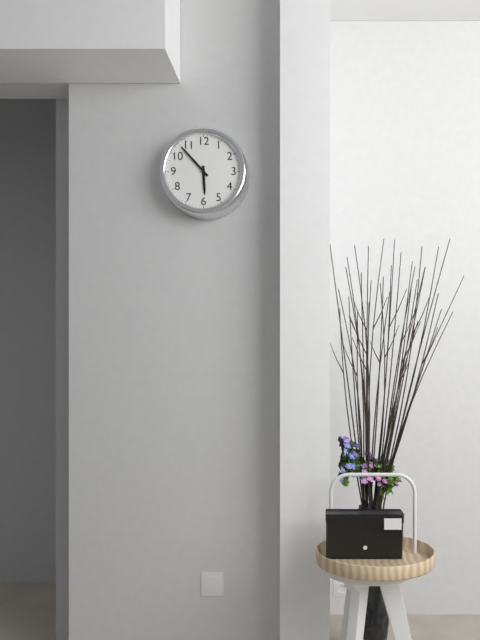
{"hour": 5, "minute": 53}
